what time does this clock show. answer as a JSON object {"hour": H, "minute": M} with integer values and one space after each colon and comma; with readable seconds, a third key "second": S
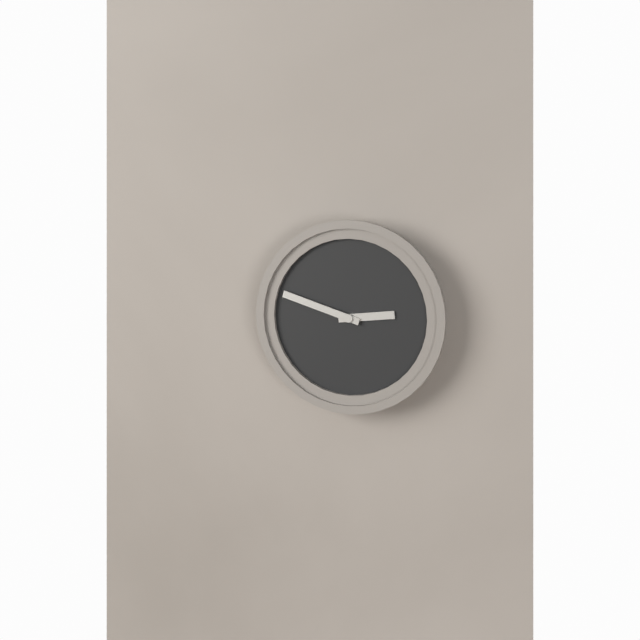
{"hour": 2, "minute": 48}
